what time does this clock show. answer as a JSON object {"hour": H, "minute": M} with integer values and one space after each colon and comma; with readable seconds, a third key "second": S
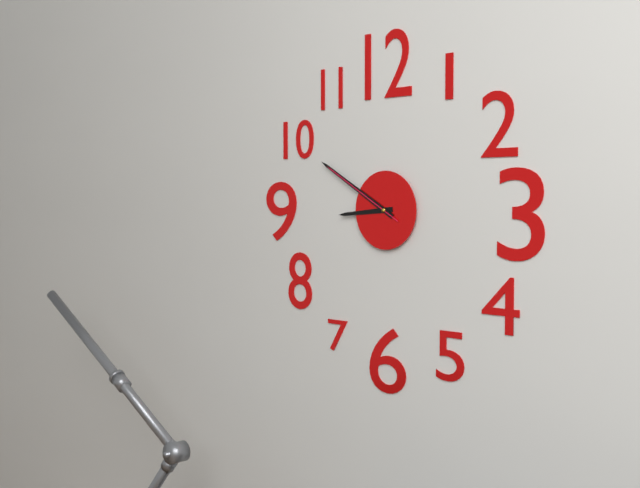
{"hour": 8, "minute": 50, "second": 50}
